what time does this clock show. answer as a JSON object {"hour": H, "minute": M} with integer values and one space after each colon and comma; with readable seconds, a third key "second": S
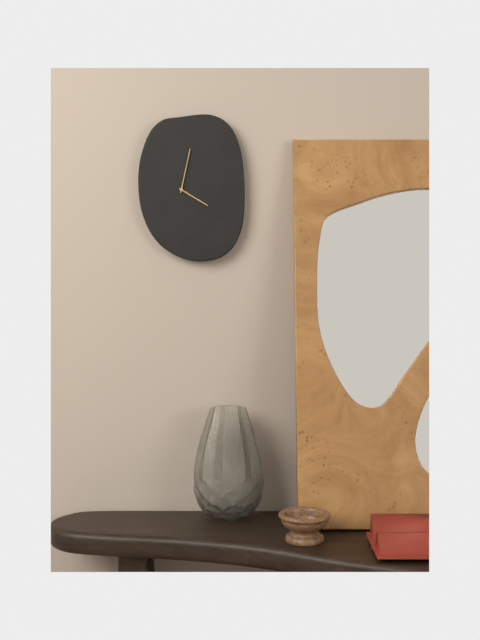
{"hour": 4, "minute": 2}
